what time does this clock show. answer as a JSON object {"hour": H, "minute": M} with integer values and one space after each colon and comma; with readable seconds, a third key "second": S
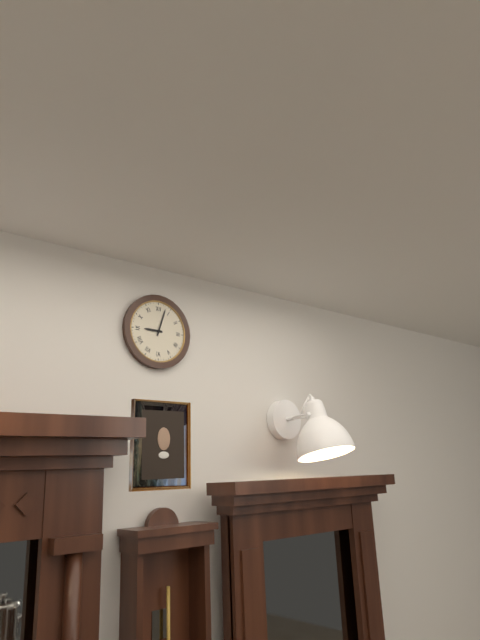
{"hour": 9, "minute": 3}
